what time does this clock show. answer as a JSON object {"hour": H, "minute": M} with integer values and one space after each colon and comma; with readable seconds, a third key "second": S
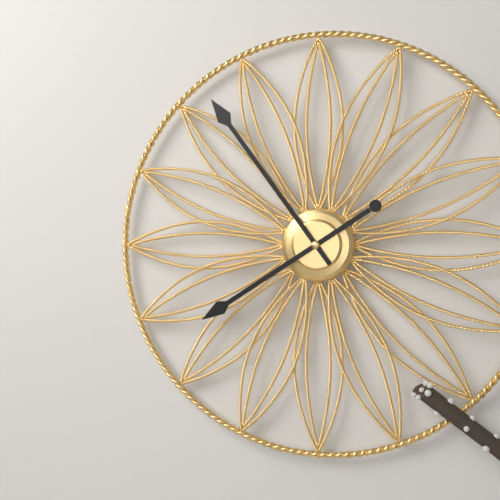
{"hour": 7, "minute": 54}
